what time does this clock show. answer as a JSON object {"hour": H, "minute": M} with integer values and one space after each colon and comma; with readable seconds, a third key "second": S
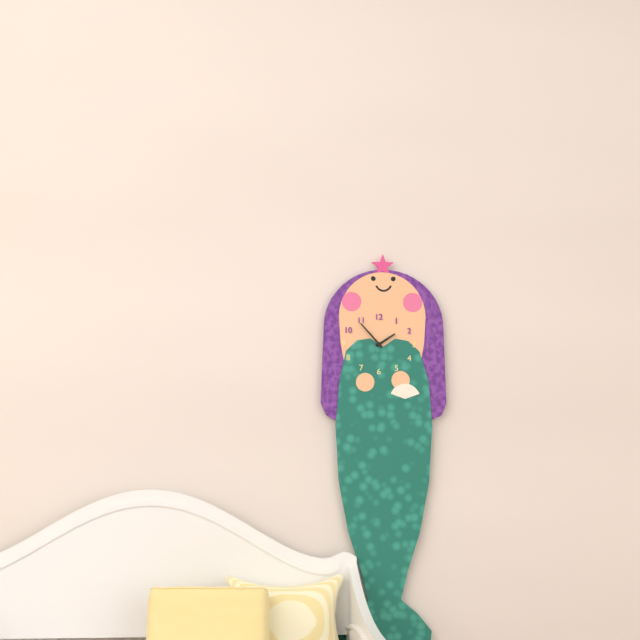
{"hour": 1, "minute": 53}
